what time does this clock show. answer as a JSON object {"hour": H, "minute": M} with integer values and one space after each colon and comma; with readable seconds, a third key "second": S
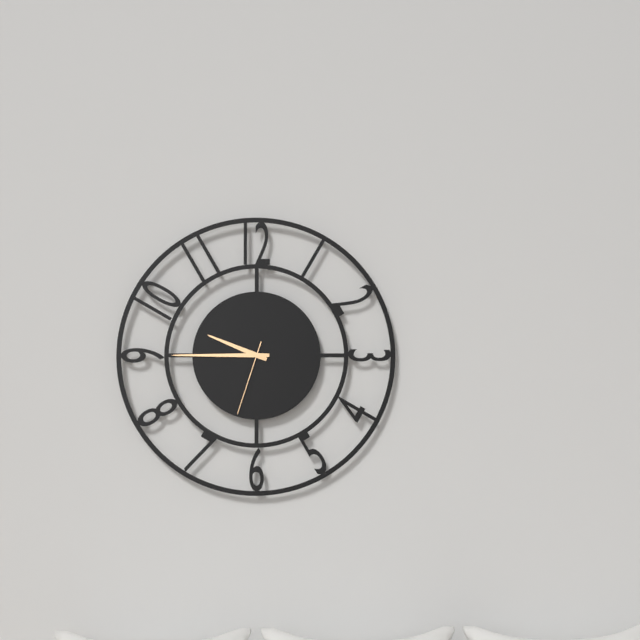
{"hour": 9, "minute": 45, "second": 33}
